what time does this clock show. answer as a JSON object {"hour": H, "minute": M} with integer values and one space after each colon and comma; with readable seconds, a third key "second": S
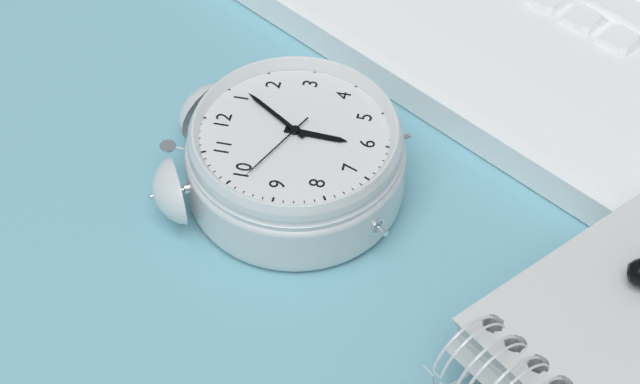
{"hour": 6, "minute": 6, "second": 49}
